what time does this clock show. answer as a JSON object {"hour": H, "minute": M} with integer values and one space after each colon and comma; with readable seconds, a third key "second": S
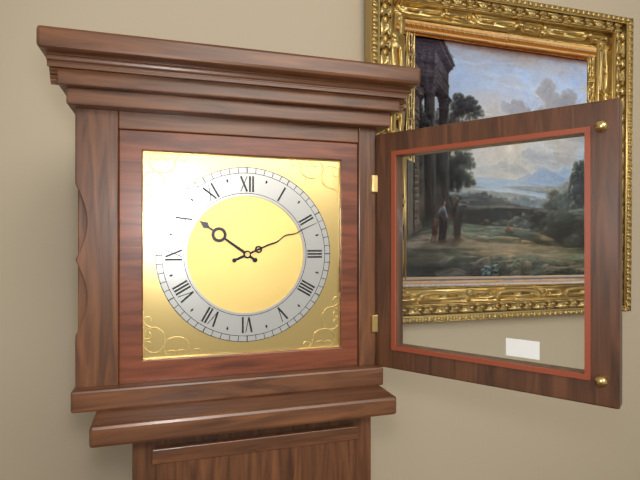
{"hour": 10, "minute": 11}
